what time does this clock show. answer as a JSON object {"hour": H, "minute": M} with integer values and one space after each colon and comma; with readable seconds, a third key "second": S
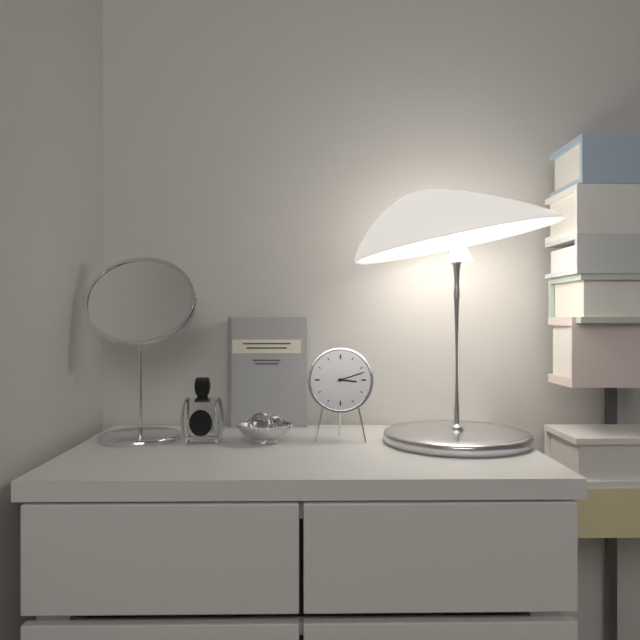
{"hour": 3, "minute": 12}
